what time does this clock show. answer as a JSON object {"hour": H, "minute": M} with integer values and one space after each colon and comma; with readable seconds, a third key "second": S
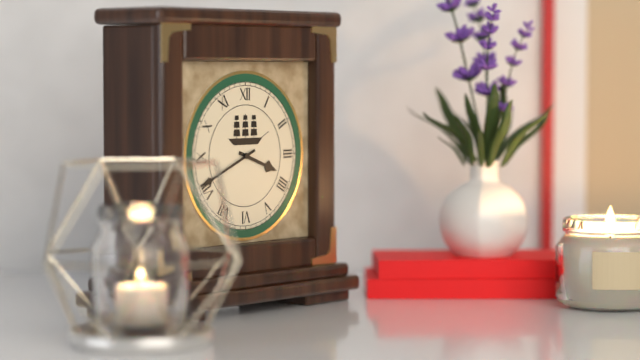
{"hour": 3, "minute": 41}
